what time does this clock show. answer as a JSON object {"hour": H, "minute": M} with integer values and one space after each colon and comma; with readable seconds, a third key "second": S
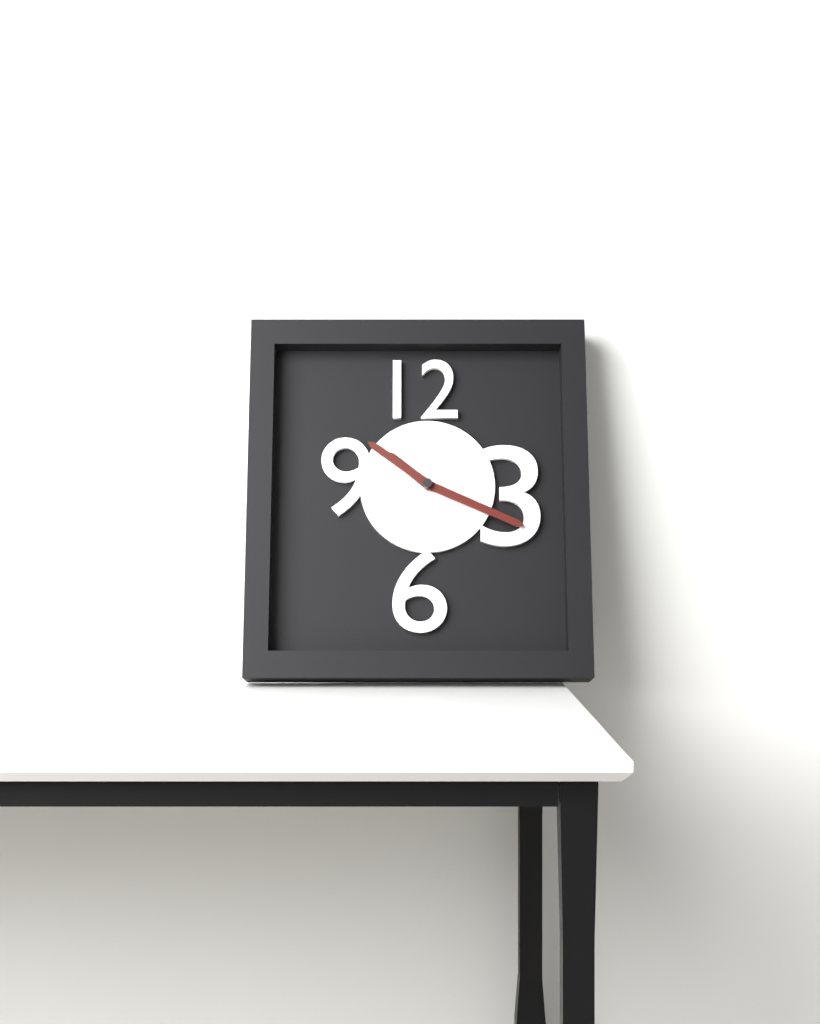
{"hour": 10, "minute": 19, "second": 51}
